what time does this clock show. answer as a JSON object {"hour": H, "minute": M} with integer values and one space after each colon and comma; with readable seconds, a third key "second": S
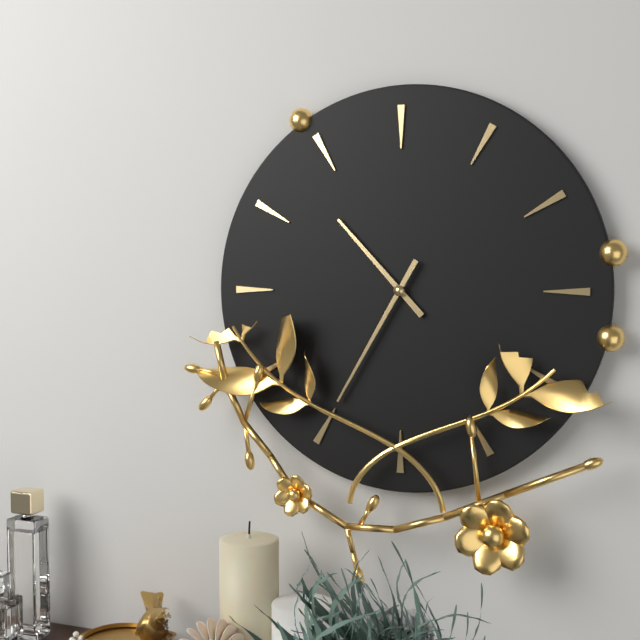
{"hour": 10, "minute": 35}
